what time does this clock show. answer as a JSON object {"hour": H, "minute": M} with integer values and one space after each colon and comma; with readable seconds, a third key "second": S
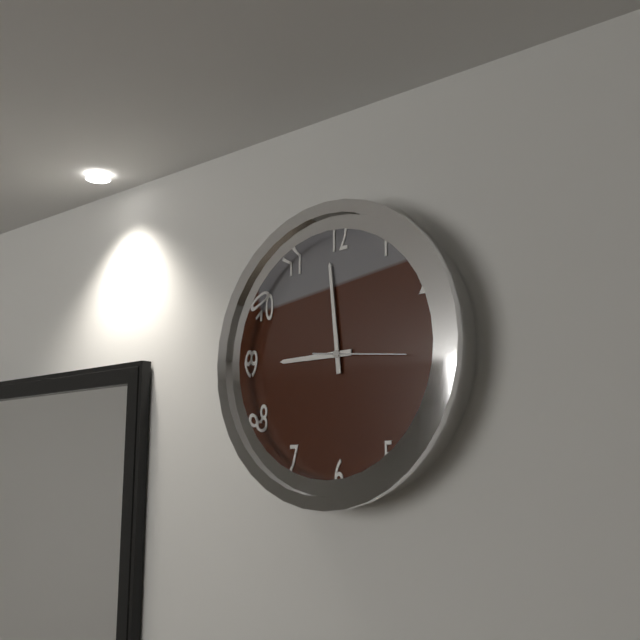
{"hour": 8, "minute": 59, "second": 16}
